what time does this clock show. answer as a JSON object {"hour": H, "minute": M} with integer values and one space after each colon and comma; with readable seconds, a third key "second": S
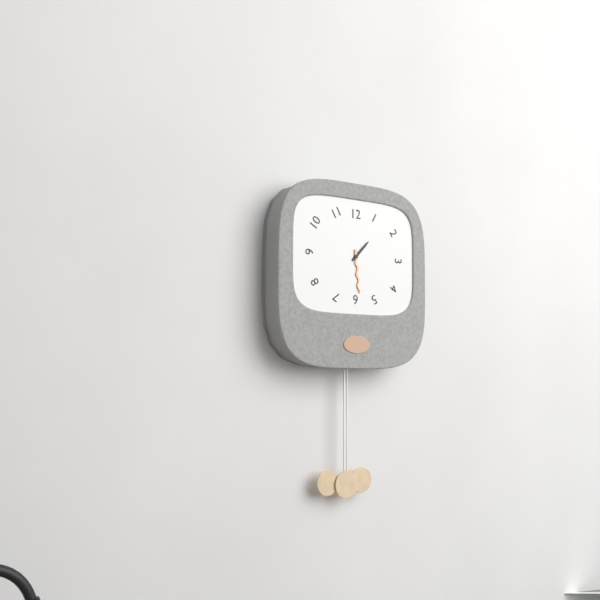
{"hour": 1, "minute": 29}
